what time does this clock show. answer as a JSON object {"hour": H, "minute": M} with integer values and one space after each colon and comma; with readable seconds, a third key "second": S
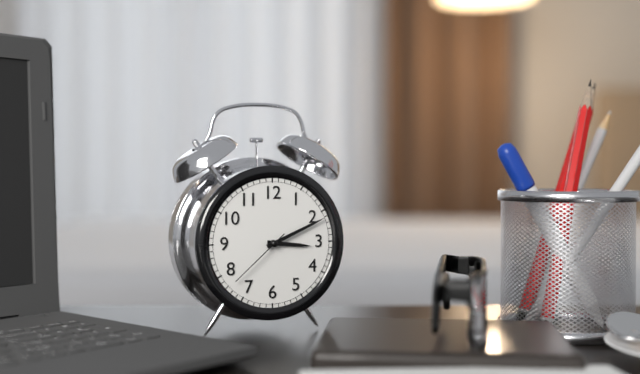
{"hour": 3, "minute": 11, "second": 38}
